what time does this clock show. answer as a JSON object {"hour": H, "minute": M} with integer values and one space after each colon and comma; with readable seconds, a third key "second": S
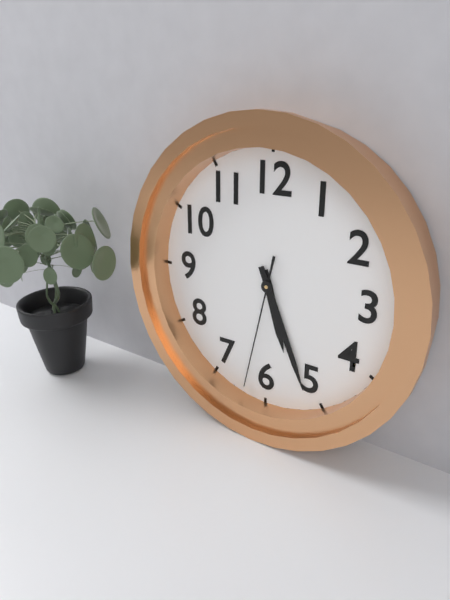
{"hour": 5, "minute": 26, "second": 32}
